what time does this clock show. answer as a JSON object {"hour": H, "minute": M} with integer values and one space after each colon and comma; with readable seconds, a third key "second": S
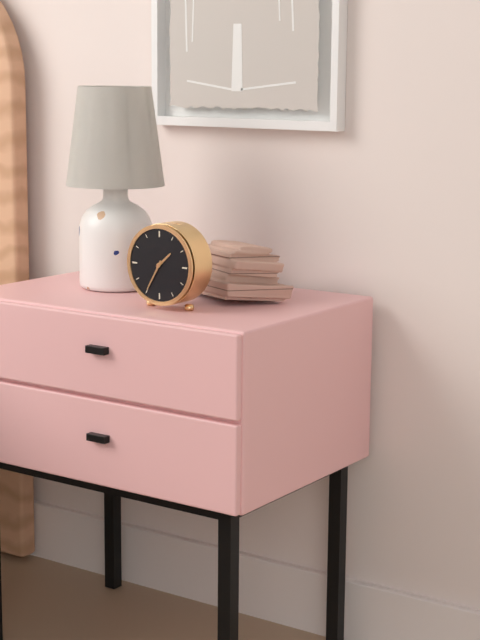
{"hour": 1, "minute": 35}
